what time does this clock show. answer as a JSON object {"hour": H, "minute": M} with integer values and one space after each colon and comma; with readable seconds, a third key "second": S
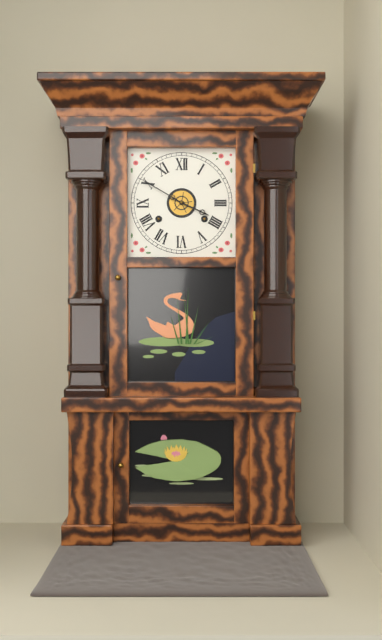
{"hour": 3, "minute": 50}
